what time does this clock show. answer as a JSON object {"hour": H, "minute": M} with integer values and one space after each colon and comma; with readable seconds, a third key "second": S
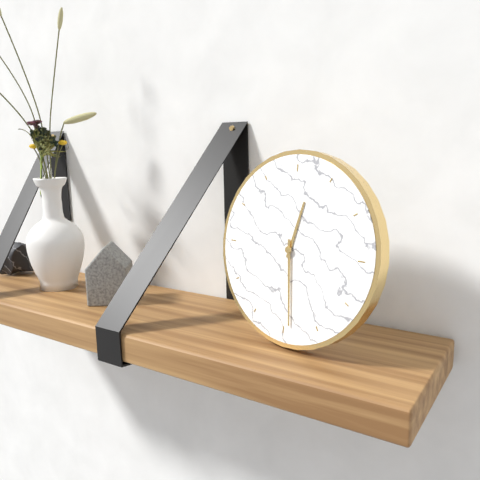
{"hour": 12, "minute": 29}
